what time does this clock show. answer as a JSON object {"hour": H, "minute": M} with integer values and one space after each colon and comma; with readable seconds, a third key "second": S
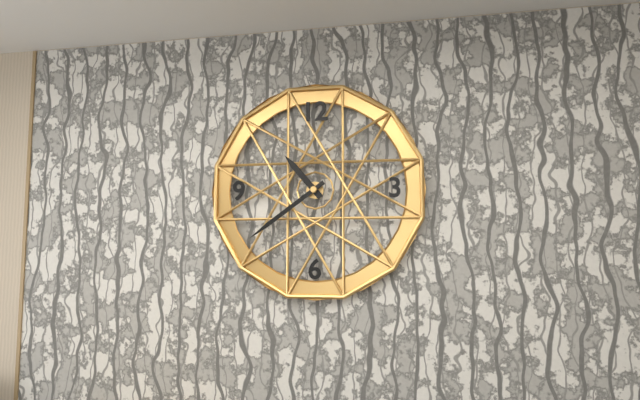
{"hour": 10, "minute": 39}
